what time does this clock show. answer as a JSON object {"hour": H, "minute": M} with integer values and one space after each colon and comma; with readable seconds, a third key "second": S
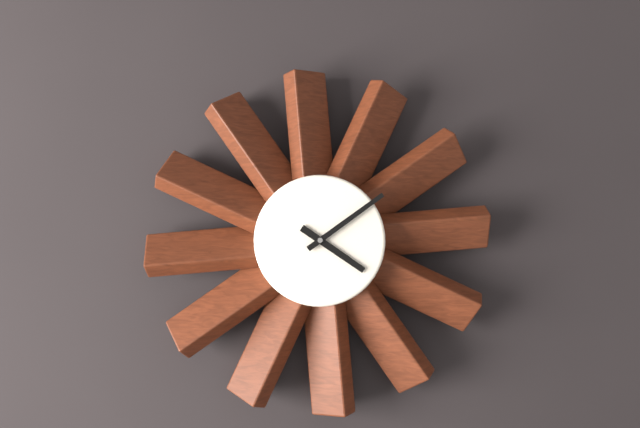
{"hour": 4, "minute": 9}
